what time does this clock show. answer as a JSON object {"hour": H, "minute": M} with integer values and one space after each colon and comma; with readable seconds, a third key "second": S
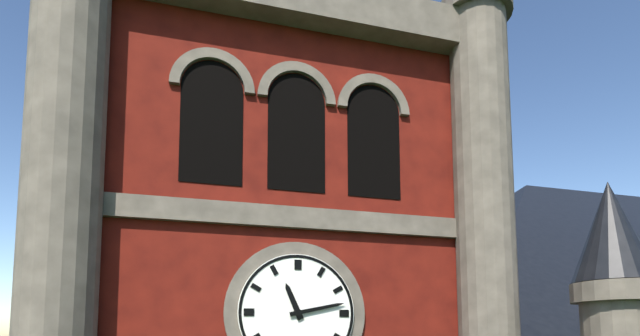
{"hour": 11, "minute": 13}
